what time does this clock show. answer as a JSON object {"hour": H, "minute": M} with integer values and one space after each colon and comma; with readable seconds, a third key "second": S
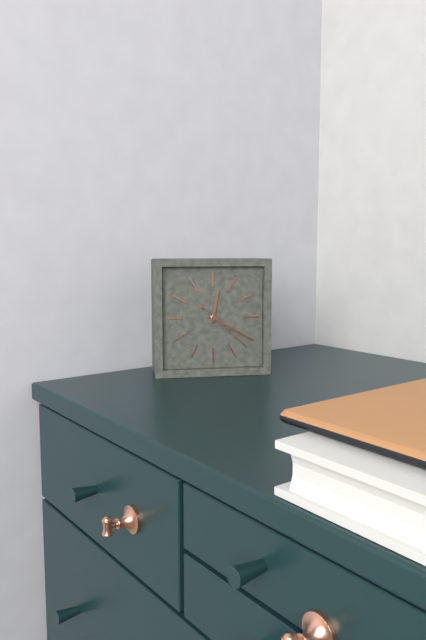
{"hour": 12, "minute": 20, "second": 22}
